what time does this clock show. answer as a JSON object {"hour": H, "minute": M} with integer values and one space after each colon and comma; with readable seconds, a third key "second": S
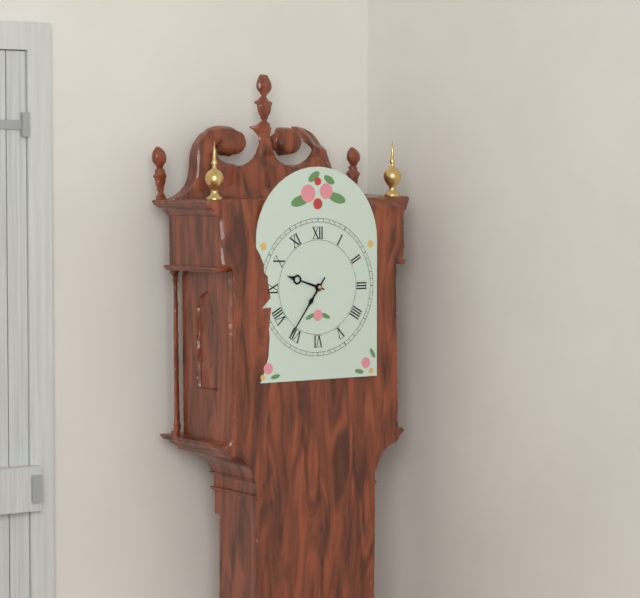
{"hour": 9, "minute": 36}
